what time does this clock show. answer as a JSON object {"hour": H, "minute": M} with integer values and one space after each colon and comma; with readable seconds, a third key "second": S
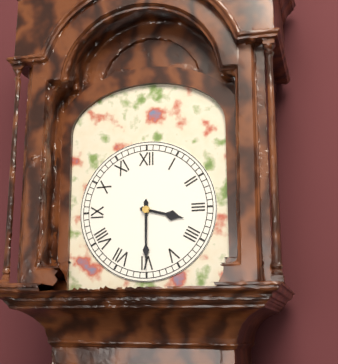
{"hour": 3, "minute": 30}
